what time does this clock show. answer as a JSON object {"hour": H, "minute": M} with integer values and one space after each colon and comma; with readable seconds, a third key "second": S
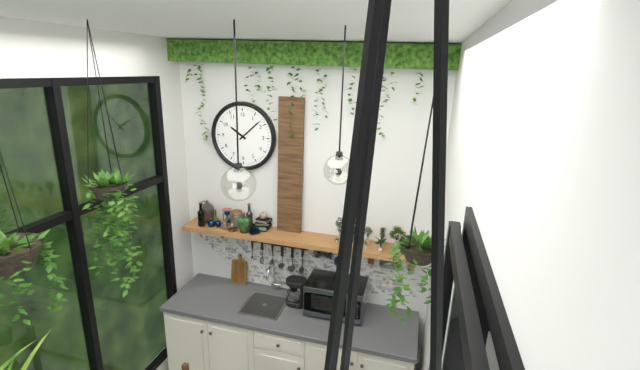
{"hour": 10, "minute": 8}
